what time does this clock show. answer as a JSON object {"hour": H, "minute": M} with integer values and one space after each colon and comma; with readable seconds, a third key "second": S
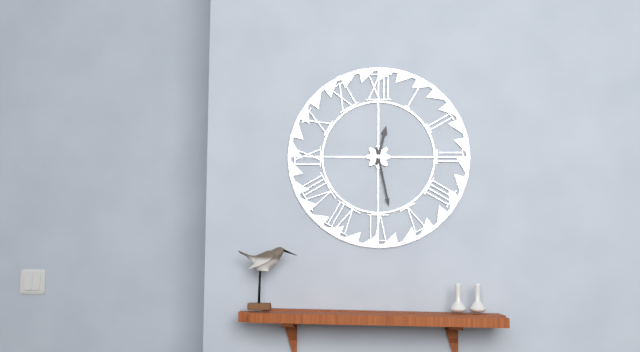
{"hour": 12, "minute": 28}
